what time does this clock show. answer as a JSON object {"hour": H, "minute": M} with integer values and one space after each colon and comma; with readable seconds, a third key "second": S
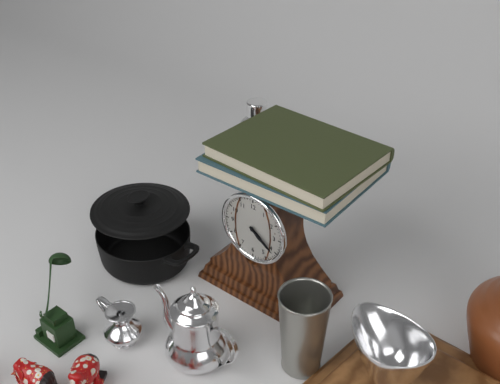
{"hour": 4, "minute": 21}
